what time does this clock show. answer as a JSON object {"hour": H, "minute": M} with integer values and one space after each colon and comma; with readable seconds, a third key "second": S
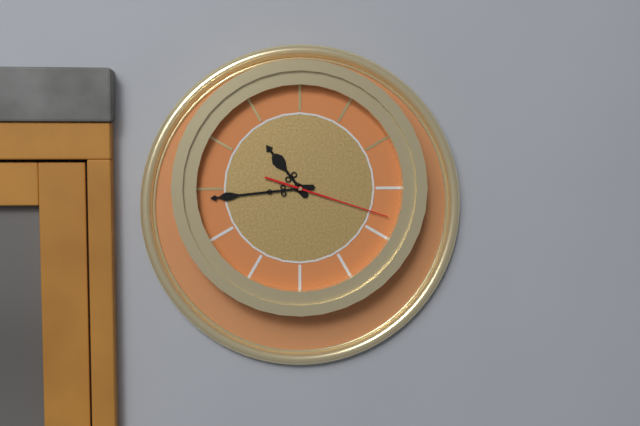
{"hour": 10, "minute": 44, "second": 18}
